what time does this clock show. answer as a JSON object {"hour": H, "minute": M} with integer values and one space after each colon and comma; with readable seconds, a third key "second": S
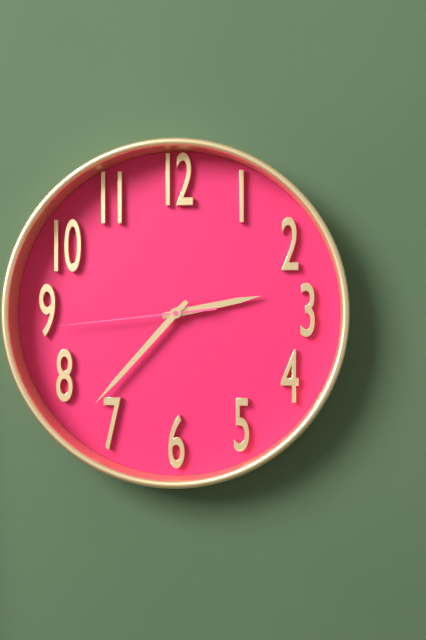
{"hour": 2, "minute": 37, "second": 44}
